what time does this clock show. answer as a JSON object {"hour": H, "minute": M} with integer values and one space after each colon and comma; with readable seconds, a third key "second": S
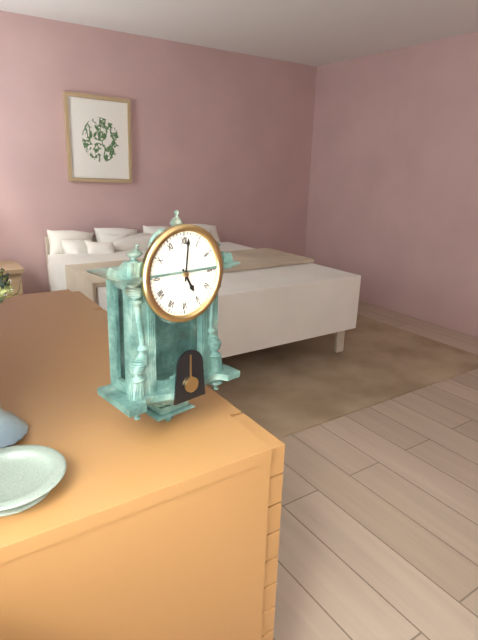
{"hour": 5, "minute": 1}
